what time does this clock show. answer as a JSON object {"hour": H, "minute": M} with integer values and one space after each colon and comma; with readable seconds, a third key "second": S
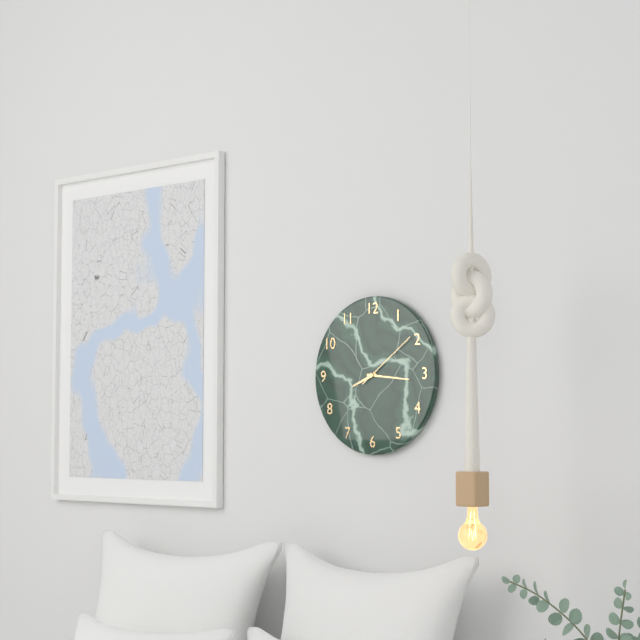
{"hour": 8, "minute": 16, "second": 9}
